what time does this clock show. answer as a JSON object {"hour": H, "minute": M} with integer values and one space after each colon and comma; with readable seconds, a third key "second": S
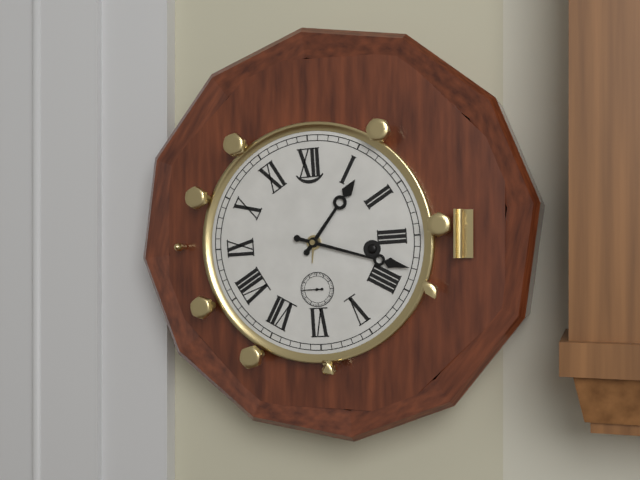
{"hour": 1, "minute": 18}
